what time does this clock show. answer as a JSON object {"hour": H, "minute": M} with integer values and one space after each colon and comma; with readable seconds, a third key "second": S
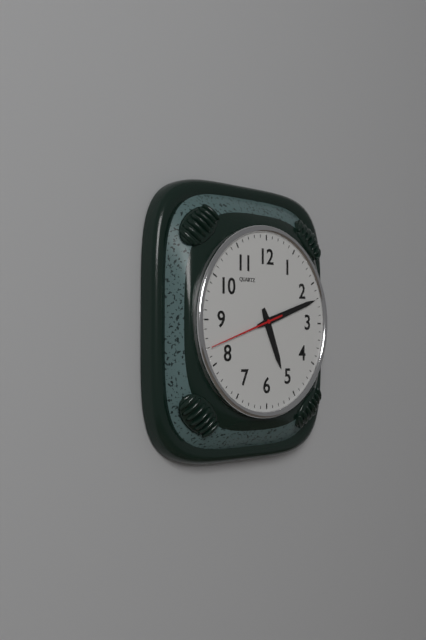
{"hour": 5, "minute": 12}
